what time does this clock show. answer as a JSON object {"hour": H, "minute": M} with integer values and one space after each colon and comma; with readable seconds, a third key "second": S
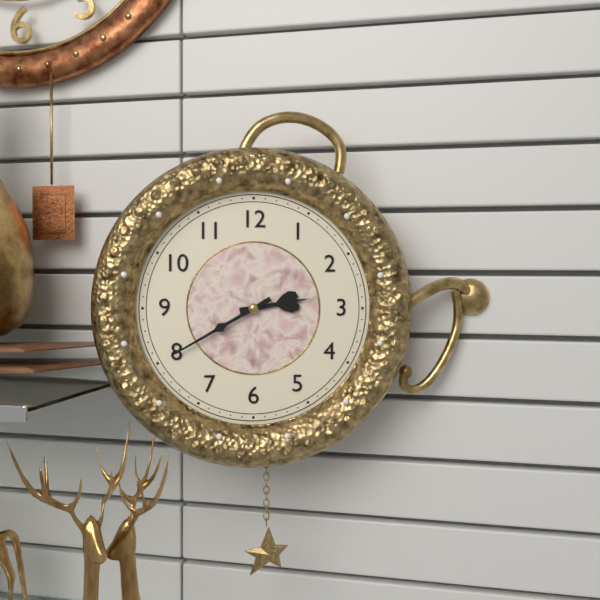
{"hour": 2, "minute": 40}
